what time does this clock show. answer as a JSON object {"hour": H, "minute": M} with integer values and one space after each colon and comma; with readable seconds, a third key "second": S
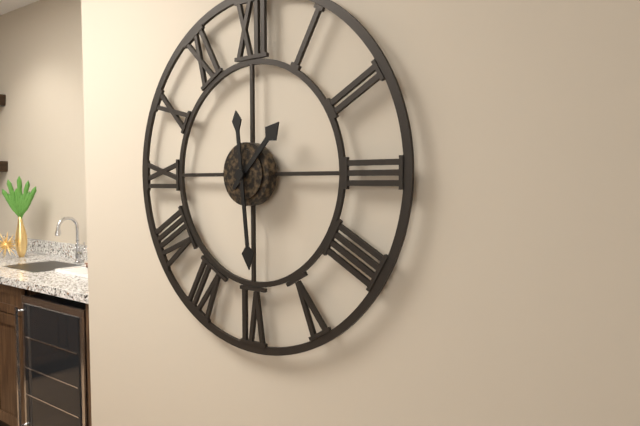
{"hour": 1, "minute": 29}
